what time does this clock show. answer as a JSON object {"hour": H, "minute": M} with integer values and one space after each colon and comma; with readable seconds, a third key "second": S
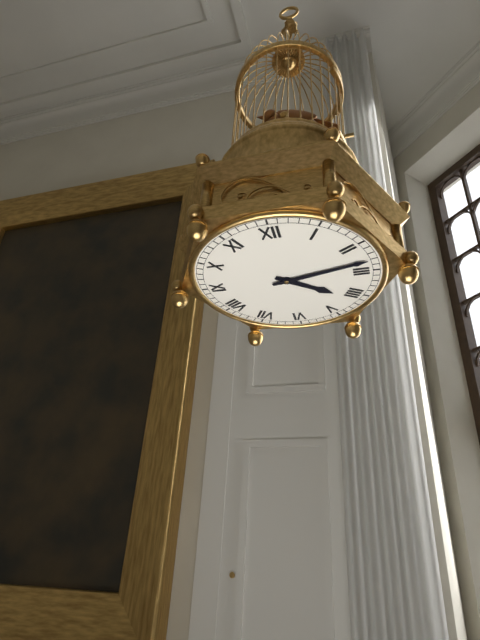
{"hour": 4, "minute": 13}
